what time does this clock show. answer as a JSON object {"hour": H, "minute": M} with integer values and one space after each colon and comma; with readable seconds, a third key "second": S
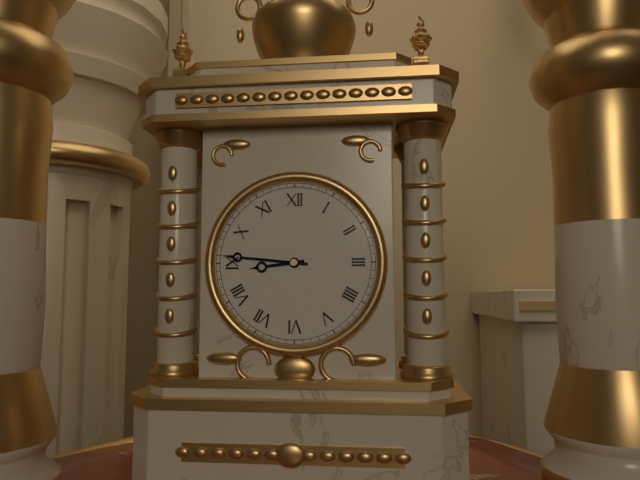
{"hour": 8, "minute": 46}
